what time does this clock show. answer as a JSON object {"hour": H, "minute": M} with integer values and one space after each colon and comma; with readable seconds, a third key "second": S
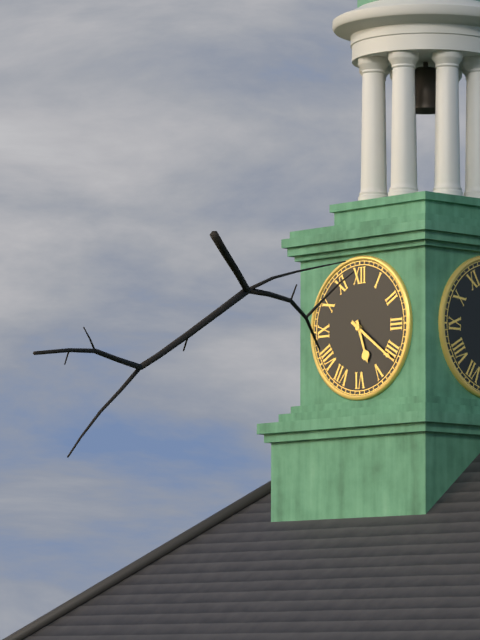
{"hour": 5, "minute": 21}
